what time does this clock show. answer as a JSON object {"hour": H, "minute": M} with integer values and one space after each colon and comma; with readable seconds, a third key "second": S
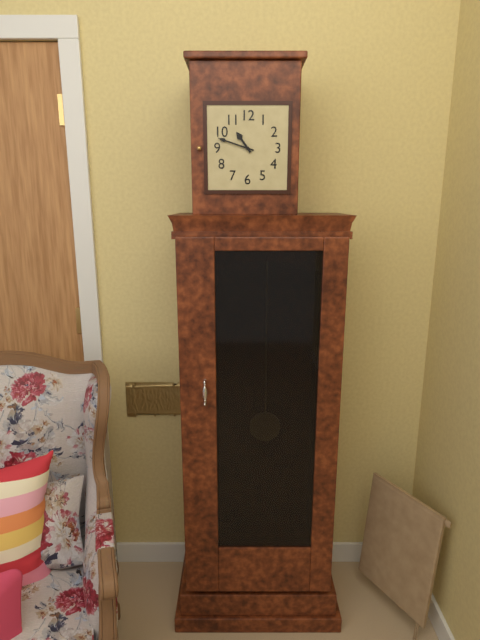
{"hour": 10, "minute": 48}
